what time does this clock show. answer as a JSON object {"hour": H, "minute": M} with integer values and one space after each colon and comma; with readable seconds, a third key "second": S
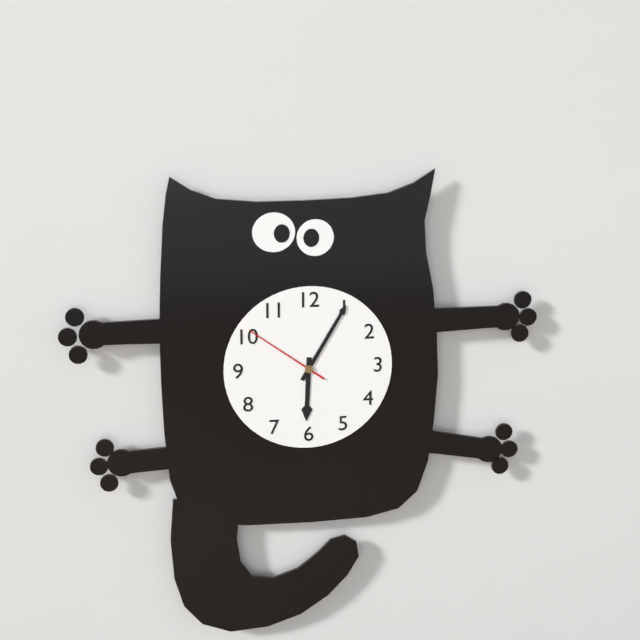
{"hour": 6, "minute": 5, "second": 51}
